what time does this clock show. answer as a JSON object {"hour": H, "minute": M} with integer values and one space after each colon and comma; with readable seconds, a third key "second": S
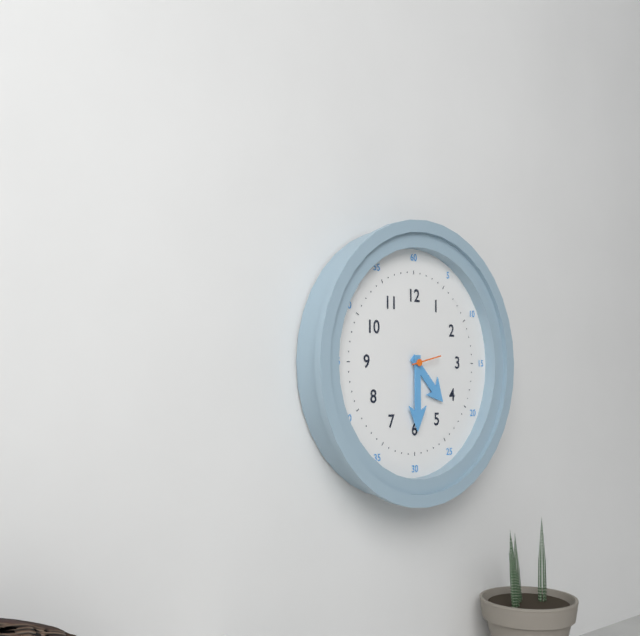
{"hour": 4, "minute": 30, "second": 13}
